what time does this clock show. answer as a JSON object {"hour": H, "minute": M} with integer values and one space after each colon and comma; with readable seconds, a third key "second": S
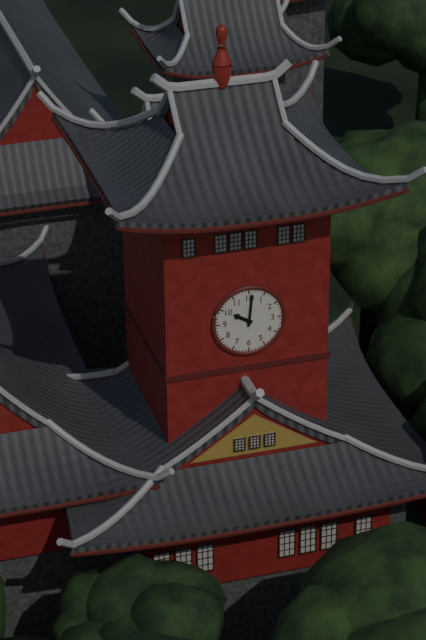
{"hour": 10, "minute": 1}
